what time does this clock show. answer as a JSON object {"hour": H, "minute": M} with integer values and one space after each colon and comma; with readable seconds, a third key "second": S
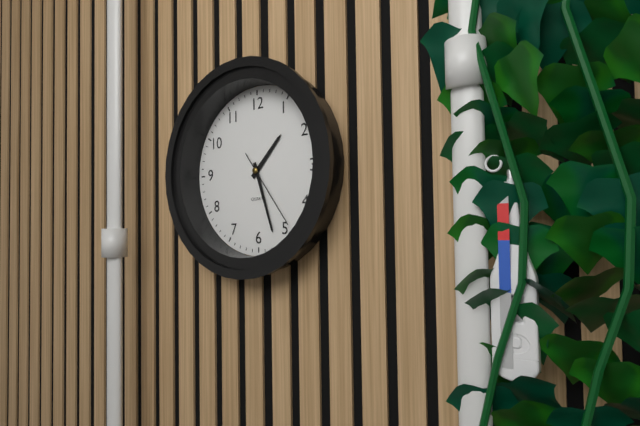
{"hour": 1, "minute": 27, "second": 24}
